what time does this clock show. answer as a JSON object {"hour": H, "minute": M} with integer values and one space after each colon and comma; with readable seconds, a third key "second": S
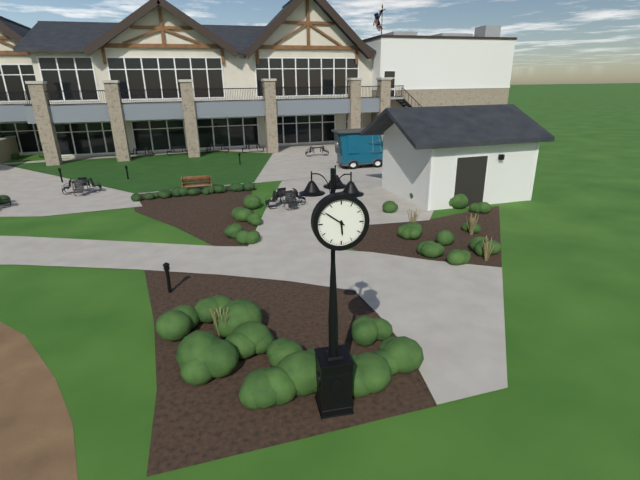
{"hour": 5, "minute": 51}
